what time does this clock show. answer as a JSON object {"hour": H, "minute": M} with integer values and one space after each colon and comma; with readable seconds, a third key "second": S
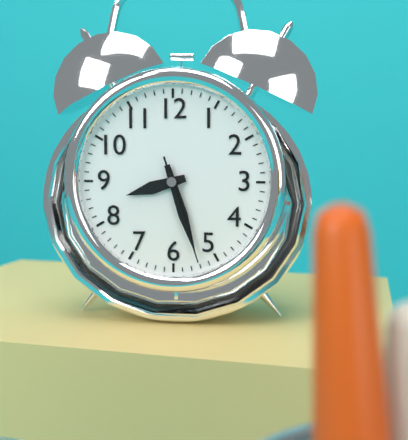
{"hour": 8, "minute": 27, "second": 27}
